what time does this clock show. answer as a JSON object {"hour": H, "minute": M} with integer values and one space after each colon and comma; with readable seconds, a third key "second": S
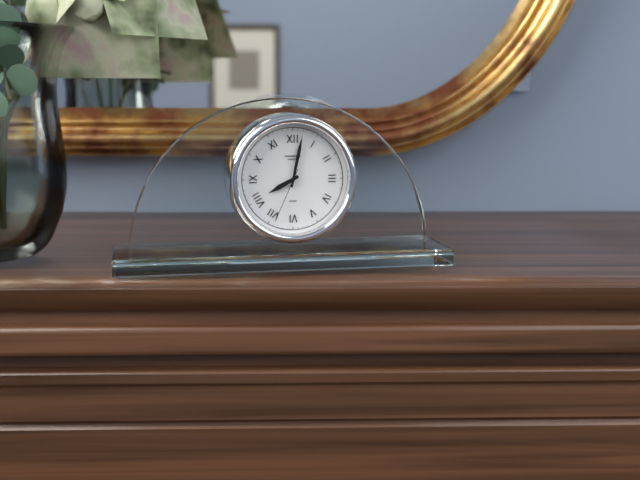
{"hour": 8, "minute": 2, "second": 34}
